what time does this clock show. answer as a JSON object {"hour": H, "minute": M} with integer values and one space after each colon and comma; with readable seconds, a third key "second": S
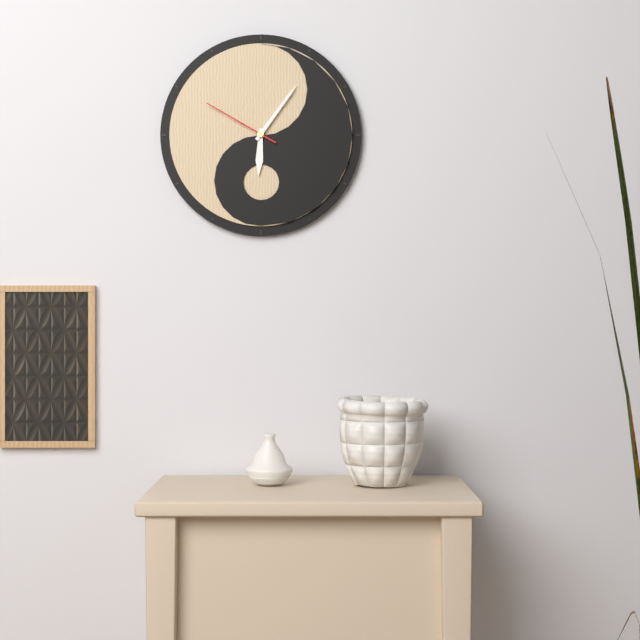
{"hour": 6, "minute": 6, "second": 50}
